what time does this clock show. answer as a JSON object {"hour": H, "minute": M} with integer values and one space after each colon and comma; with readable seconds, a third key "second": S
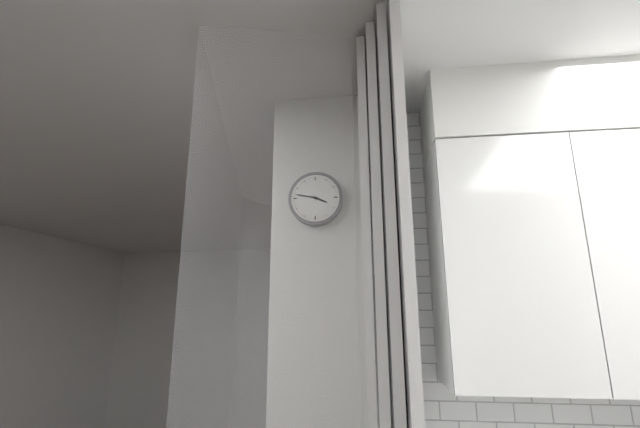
{"hour": 3, "minute": 47}
